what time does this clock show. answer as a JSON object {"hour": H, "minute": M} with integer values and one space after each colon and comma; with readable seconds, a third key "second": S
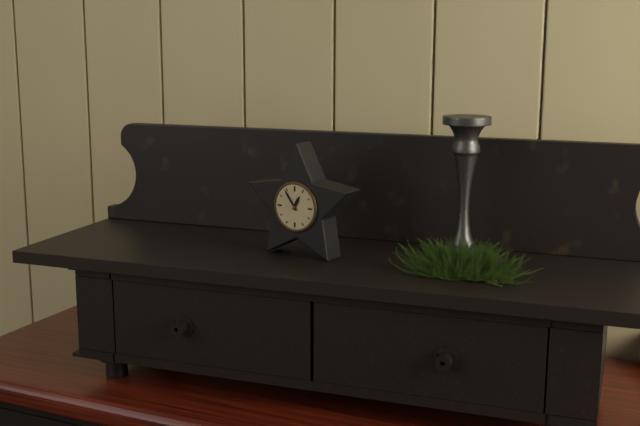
{"hour": 12, "minute": 54}
